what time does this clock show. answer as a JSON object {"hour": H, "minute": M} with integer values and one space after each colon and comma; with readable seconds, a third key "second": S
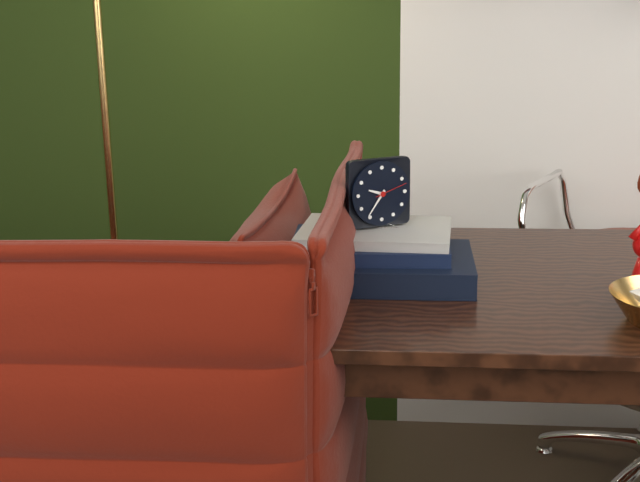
{"hour": 9, "minute": 36}
